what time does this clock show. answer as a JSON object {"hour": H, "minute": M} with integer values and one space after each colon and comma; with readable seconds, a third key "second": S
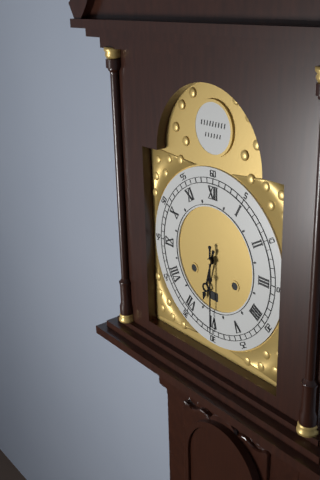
{"hour": 6, "minute": 30}
